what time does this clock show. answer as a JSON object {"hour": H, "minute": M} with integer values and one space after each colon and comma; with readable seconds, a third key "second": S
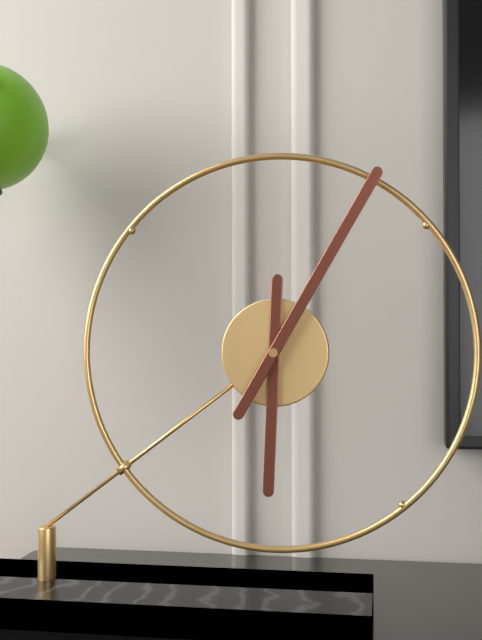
{"hour": 6, "minute": 5}
